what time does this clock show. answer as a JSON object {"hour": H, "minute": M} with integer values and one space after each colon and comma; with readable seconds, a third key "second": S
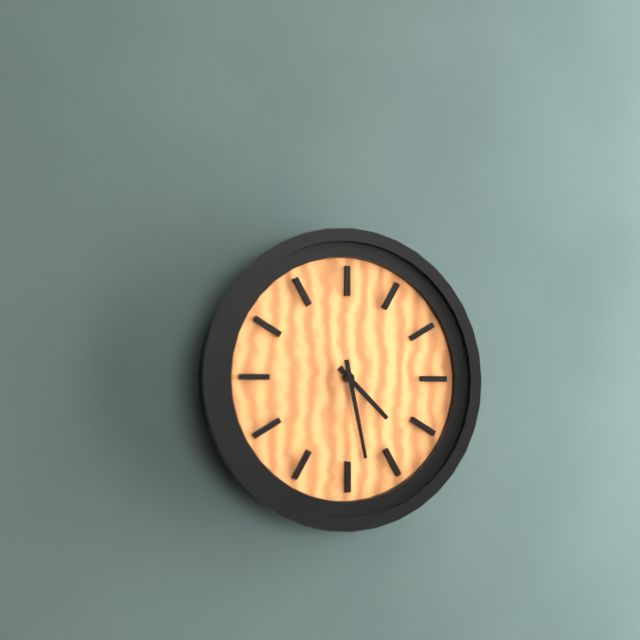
{"hour": 4, "minute": 28}
